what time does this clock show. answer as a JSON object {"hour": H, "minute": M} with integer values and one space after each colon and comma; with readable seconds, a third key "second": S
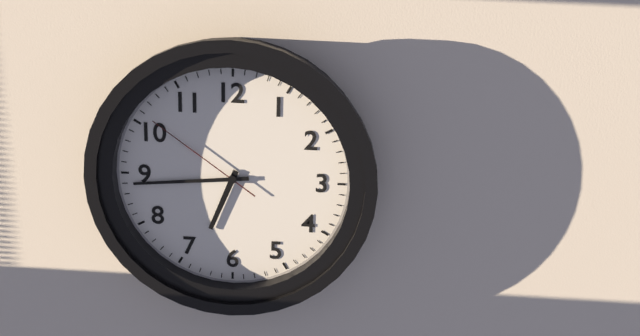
{"hour": 6, "minute": 44, "second": 51}
